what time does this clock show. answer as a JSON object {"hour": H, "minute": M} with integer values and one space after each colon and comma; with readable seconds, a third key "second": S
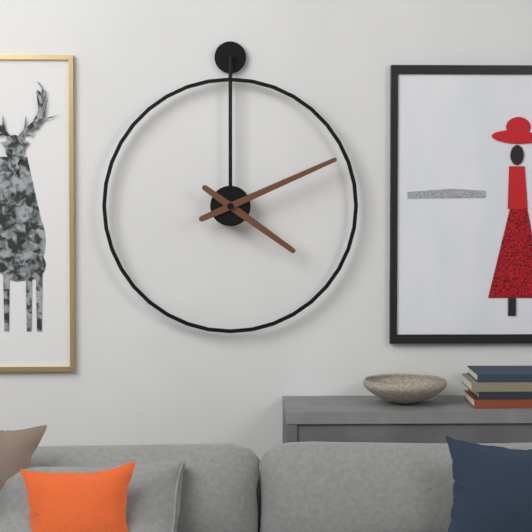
{"hour": 4, "minute": 11}
